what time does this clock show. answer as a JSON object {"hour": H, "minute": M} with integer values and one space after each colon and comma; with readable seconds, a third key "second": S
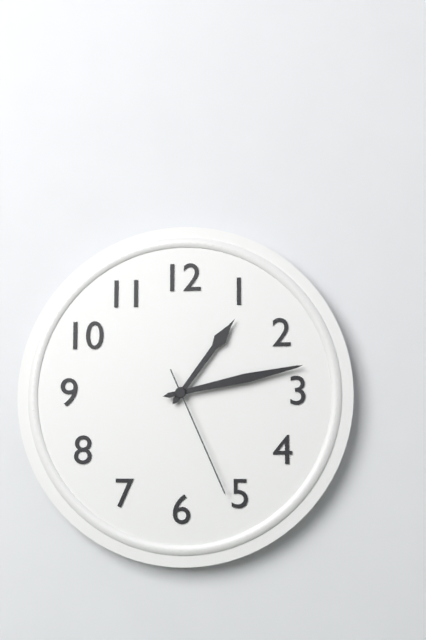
{"hour": 1, "minute": 13, "second": 26}
